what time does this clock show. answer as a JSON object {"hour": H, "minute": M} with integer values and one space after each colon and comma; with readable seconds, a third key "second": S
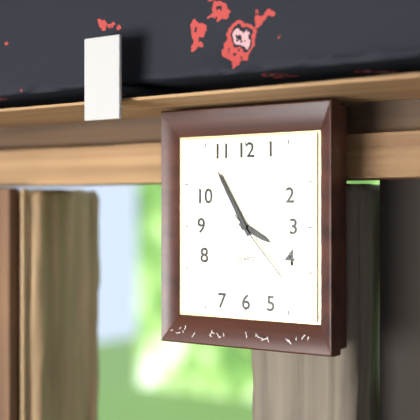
{"hour": 3, "minute": 55, "second": 23}
